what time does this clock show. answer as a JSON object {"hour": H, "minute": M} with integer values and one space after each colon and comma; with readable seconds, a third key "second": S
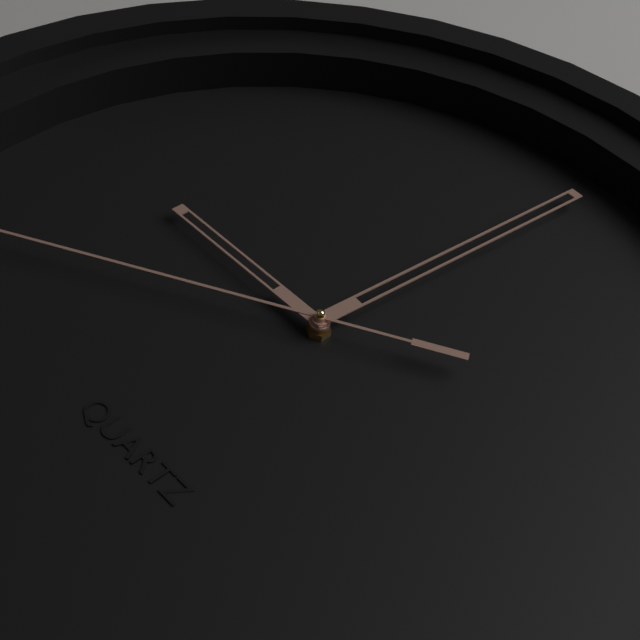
{"hour": 9, "minute": 1}
